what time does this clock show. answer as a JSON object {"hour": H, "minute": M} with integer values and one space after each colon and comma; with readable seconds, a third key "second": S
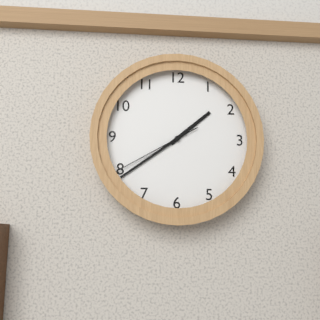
{"hour": 1, "minute": 39, "second": 40}
